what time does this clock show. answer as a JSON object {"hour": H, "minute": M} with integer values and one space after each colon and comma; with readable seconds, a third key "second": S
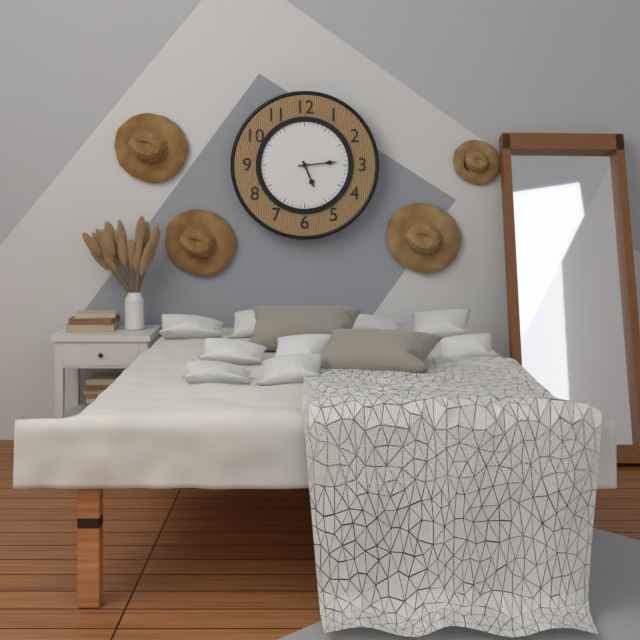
{"hour": 5, "minute": 14}
